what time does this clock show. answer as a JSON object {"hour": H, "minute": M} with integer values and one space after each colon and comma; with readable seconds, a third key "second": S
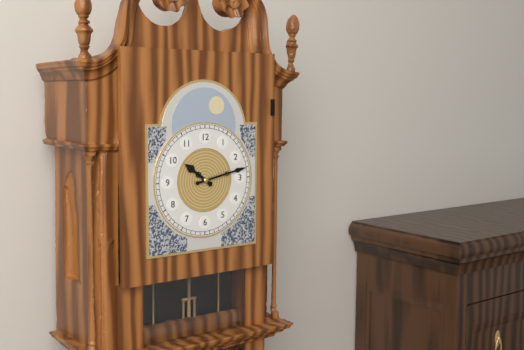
{"hour": 10, "minute": 13}
